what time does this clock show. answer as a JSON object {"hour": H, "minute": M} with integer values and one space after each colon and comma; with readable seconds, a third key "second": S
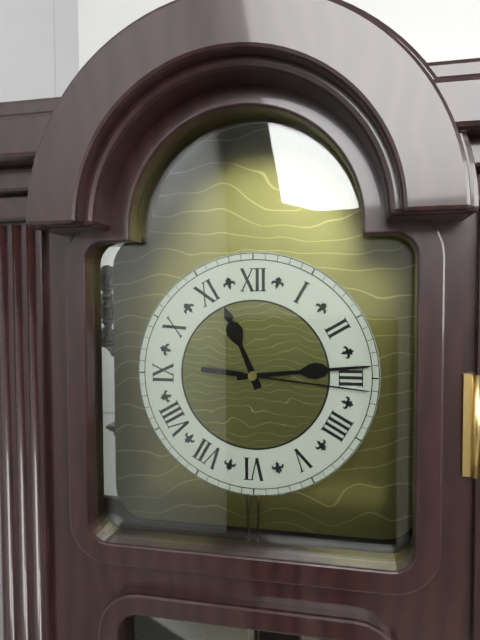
{"hour": 11, "minute": 14, "second": 16}
